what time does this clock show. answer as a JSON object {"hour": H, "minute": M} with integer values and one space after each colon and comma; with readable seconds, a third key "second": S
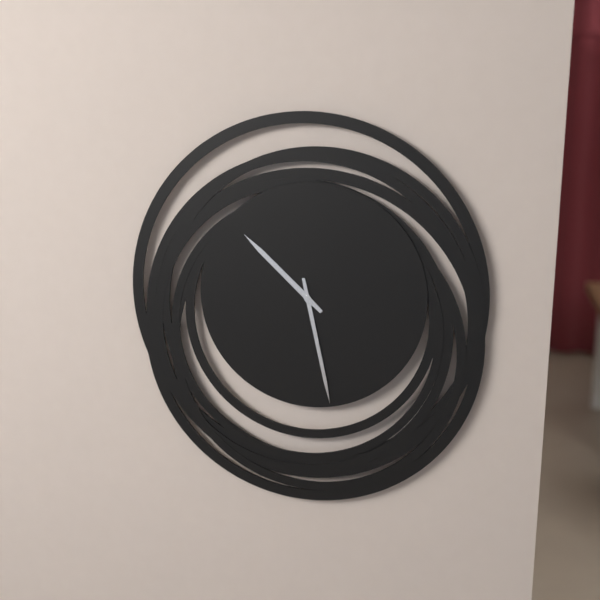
{"hour": 10, "minute": 28}
